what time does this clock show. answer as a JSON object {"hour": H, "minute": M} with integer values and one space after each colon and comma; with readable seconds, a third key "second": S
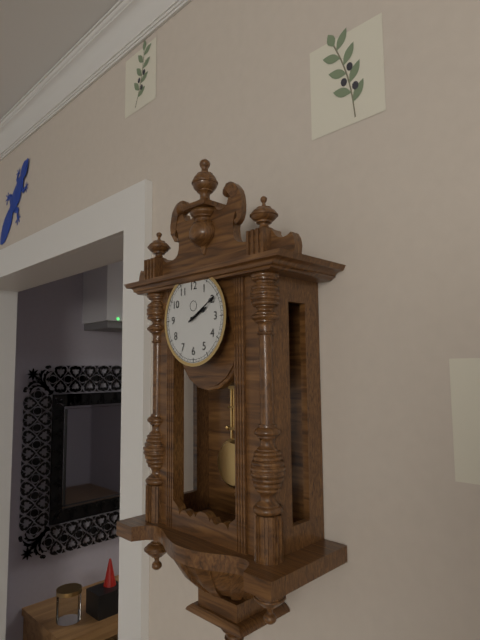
{"hour": 2, "minute": 10}
